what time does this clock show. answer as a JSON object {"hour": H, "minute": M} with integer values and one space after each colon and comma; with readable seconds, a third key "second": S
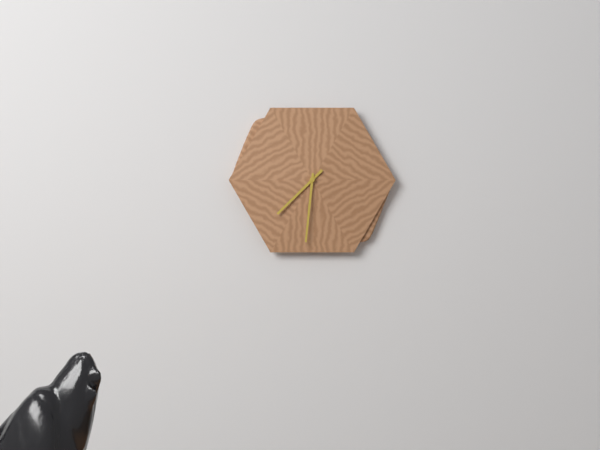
{"hour": 7, "minute": 31}
